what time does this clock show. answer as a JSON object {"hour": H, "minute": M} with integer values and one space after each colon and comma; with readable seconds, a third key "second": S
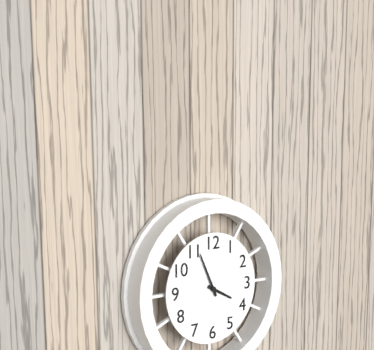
{"hour": 3, "minute": 56}
